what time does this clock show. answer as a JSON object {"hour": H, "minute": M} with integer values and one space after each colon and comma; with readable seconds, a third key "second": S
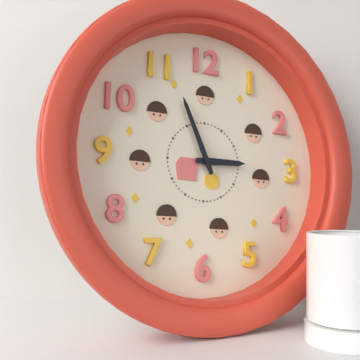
{"hour": 2, "minute": 56}
